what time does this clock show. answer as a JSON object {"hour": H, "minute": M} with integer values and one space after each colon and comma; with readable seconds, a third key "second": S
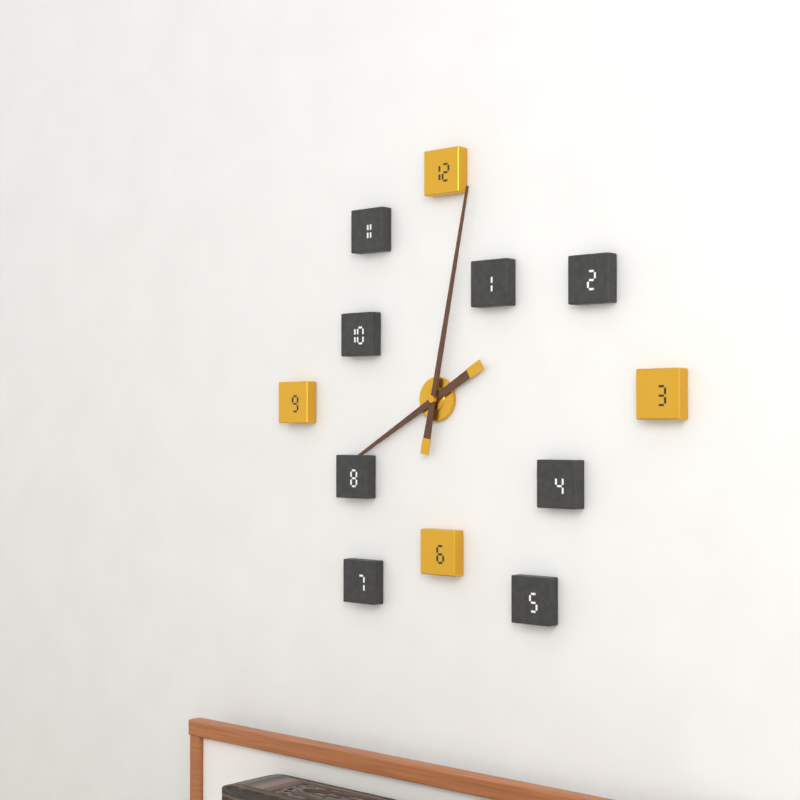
{"hour": 8, "minute": 2}
